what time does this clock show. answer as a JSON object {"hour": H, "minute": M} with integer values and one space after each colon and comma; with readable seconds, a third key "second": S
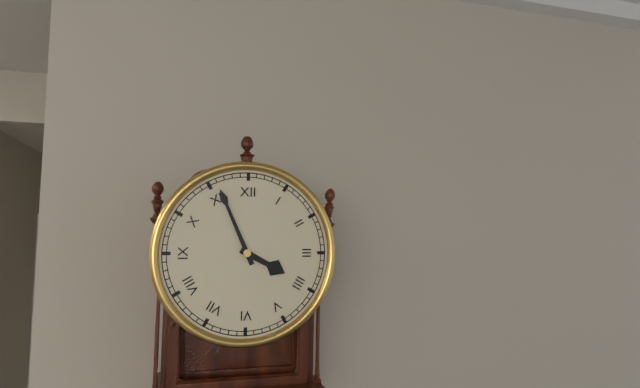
{"hour": 3, "minute": 56}
